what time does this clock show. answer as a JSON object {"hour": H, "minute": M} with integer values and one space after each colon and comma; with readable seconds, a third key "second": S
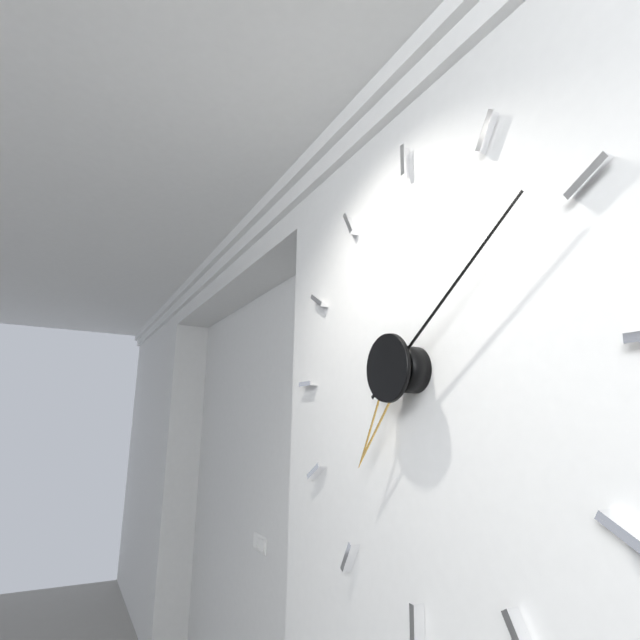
{"hour": 7, "minute": 9}
